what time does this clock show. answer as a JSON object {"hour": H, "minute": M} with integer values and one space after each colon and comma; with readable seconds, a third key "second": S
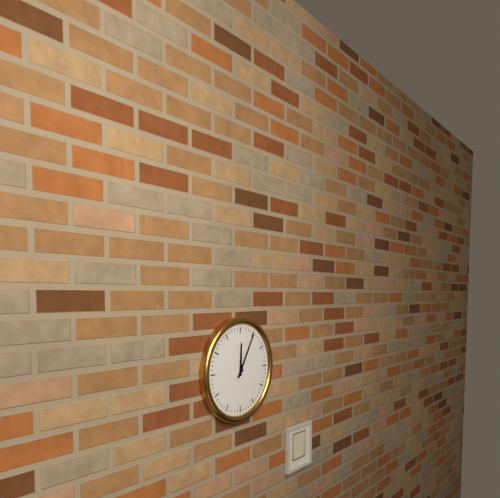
{"hour": 12, "minute": 5}
